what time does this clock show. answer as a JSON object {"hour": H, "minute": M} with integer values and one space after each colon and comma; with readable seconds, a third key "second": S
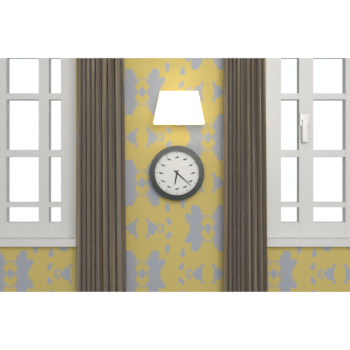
{"hour": 6, "minute": 22}
